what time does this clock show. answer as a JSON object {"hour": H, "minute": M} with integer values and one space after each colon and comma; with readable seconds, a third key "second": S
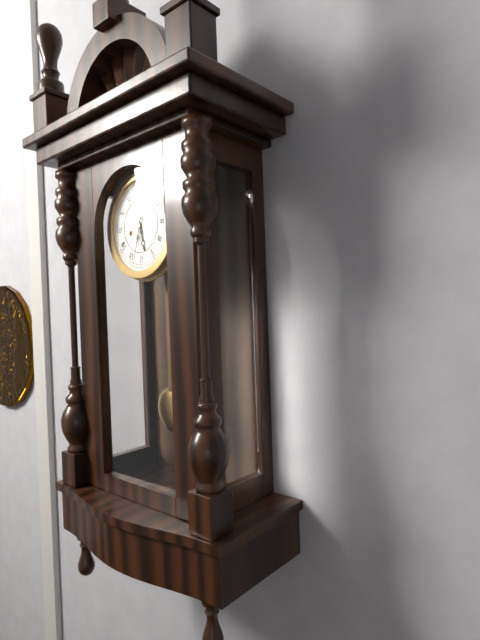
{"hour": 5, "minute": 33}
